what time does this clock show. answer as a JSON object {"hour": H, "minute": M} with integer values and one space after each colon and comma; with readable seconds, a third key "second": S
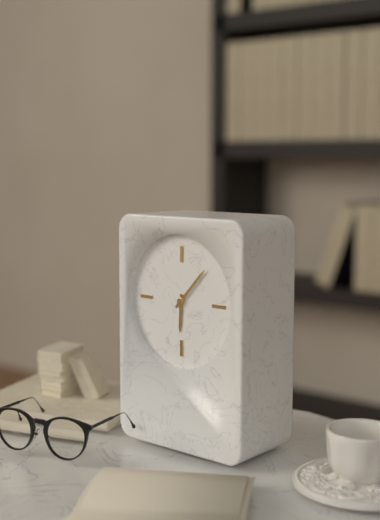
{"hour": 6, "minute": 7}
